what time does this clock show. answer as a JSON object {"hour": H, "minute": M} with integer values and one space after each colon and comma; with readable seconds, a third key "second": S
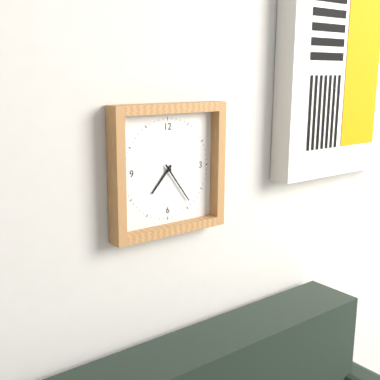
{"hour": 7, "minute": 24}
